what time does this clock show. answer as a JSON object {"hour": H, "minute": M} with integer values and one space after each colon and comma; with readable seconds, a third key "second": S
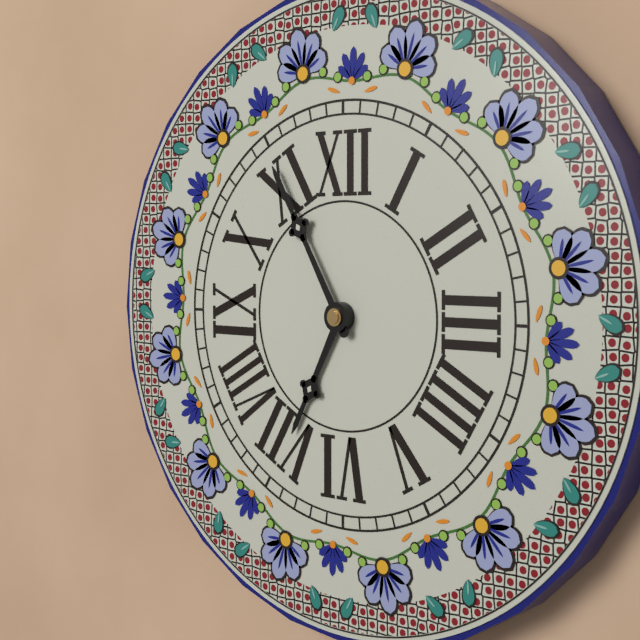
{"hour": 6, "minute": 55}
